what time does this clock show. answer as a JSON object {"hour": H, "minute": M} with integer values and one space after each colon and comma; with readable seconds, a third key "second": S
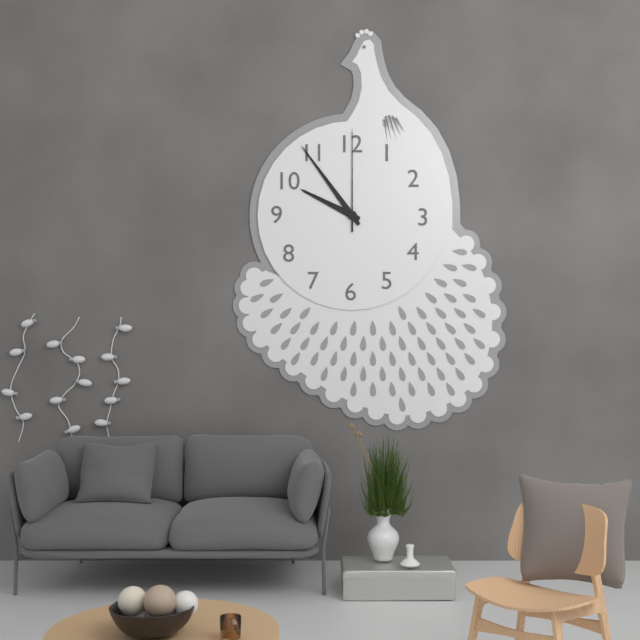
{"hour": 9, "minute": 54, "second": 0}
